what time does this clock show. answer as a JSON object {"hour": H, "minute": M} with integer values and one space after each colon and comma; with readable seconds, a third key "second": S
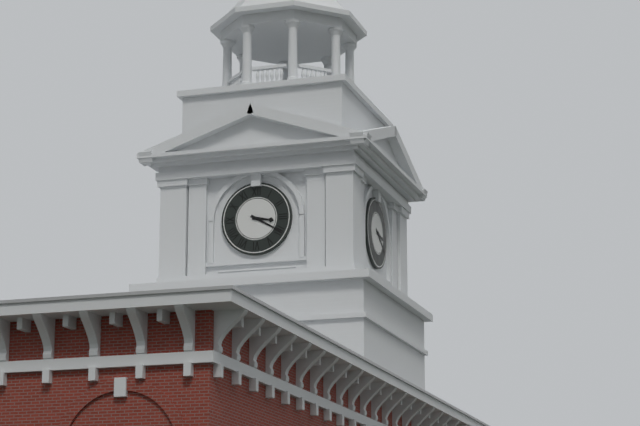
{"hour": 3, "minute": 20}
